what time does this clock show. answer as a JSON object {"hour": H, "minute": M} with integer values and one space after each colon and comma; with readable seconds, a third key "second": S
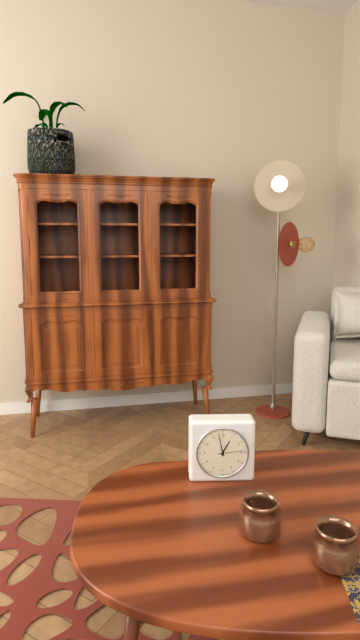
{"hour": 12, "minute": 58}
